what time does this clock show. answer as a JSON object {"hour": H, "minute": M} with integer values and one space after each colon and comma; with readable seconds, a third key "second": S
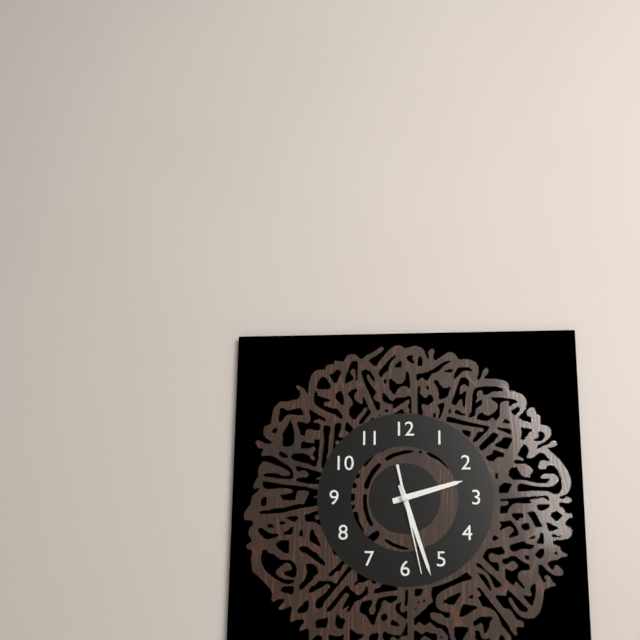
{"hour": 2, "minute": 27, "second": 28}
